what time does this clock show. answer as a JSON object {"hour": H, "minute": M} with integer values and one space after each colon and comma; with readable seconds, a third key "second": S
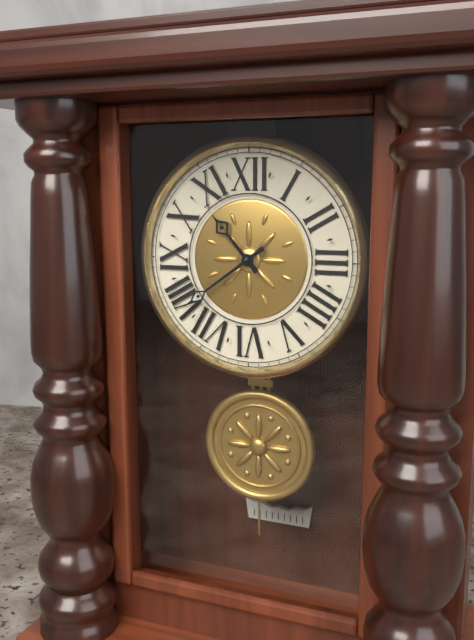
{"hour": 10, "minute": 39}
